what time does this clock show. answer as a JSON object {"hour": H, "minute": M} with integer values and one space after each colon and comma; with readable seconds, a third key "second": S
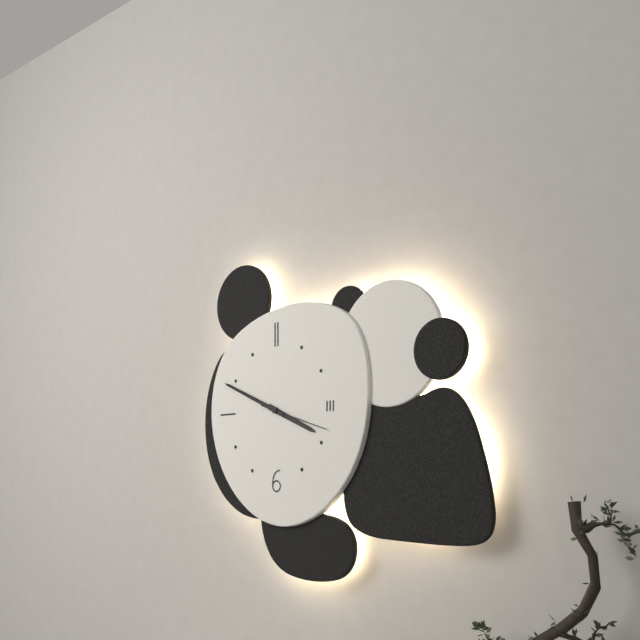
{"hour": 3, "minute": 49, "second": 18}
